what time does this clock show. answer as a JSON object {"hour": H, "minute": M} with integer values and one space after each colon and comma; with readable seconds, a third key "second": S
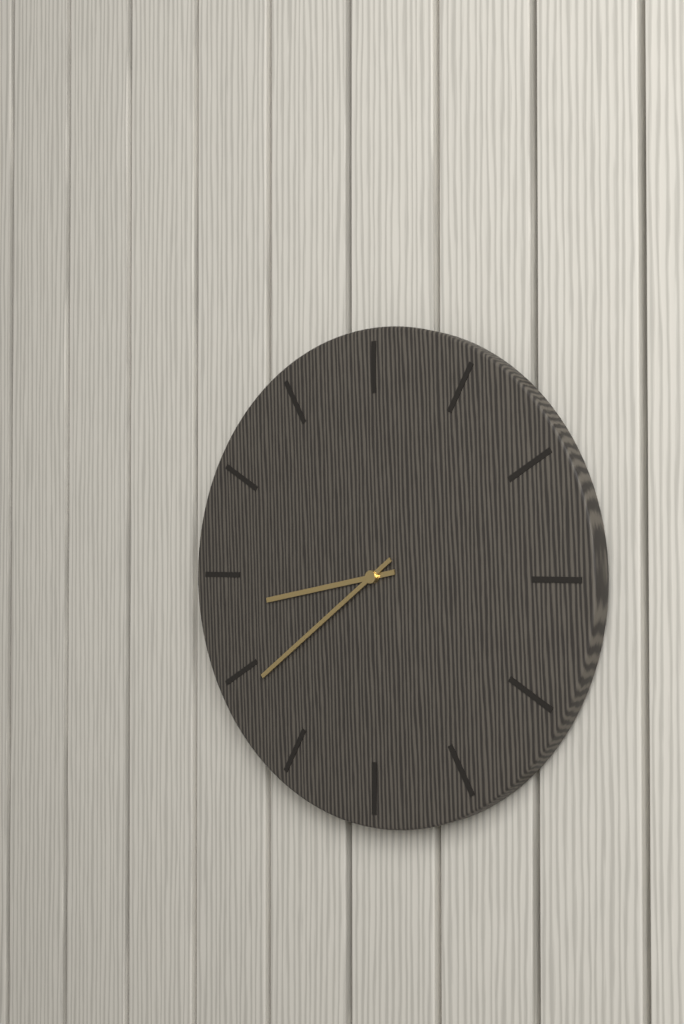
{"hour": 8, "minute": 39}
